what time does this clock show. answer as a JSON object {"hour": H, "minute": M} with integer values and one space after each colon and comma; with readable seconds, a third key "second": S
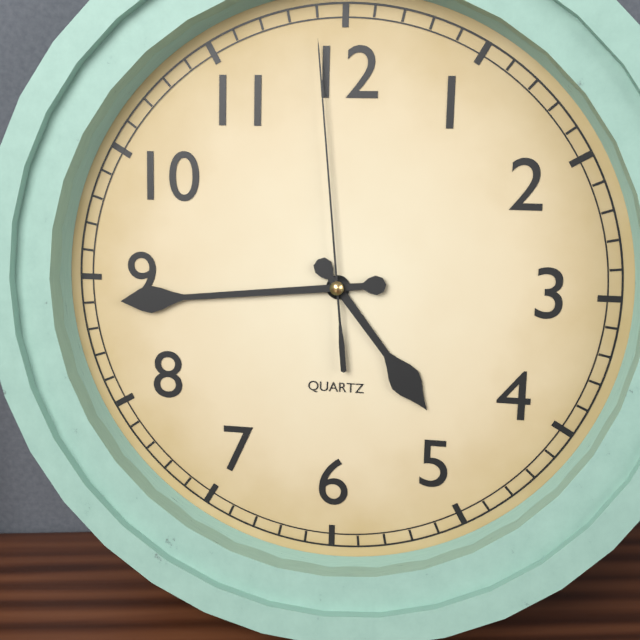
{"hour": 4, "minute": 44, "second": 59}
